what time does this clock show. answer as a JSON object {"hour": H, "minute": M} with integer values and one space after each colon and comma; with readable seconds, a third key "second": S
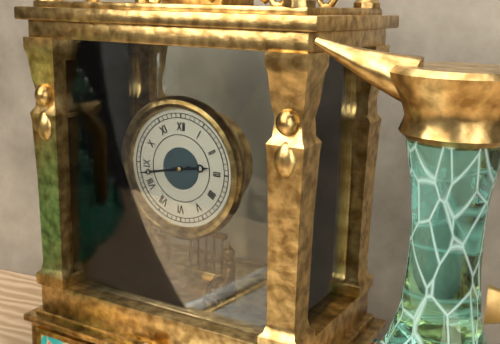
{"hour": 2, "minute": 43}
